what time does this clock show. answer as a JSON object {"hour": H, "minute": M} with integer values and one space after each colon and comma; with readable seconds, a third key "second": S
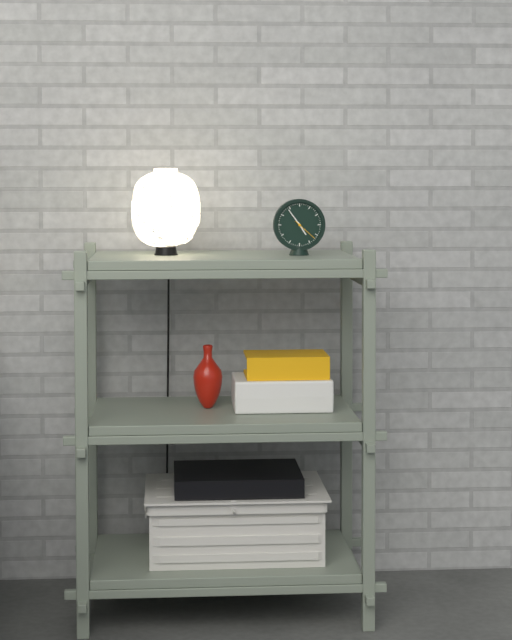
{"hour": 4, "minute": 54}
